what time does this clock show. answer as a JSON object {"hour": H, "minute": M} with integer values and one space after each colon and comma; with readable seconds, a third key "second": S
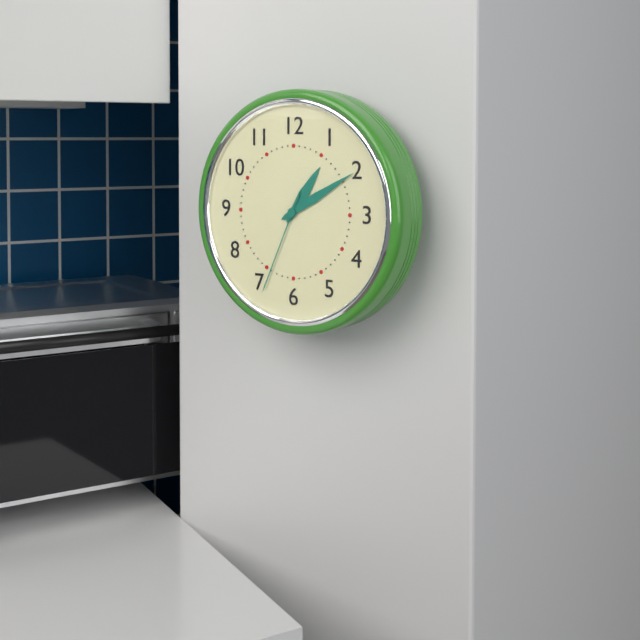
{"hour": 1, "minute": 10, "second": 34}
